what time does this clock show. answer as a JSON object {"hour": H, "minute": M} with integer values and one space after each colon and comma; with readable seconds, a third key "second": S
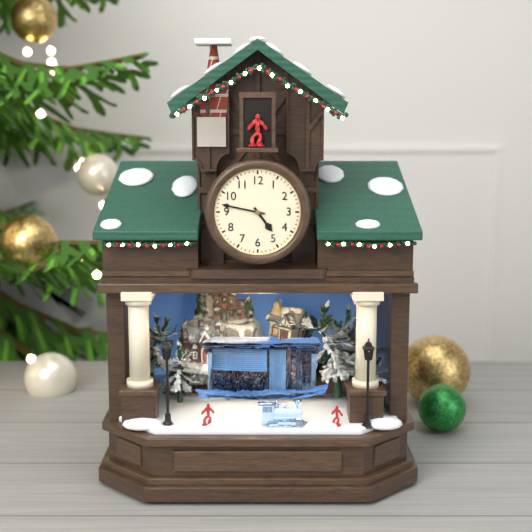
{"hour": 4, "minute": 47}
